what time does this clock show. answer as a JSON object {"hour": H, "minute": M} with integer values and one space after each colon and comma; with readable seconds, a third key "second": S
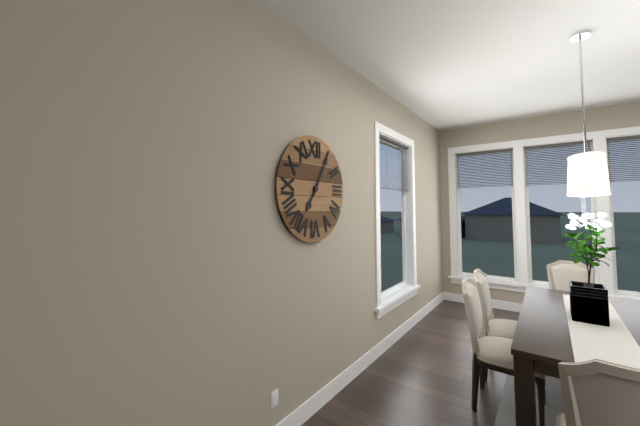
{"hour": 7, "minute": 5}
